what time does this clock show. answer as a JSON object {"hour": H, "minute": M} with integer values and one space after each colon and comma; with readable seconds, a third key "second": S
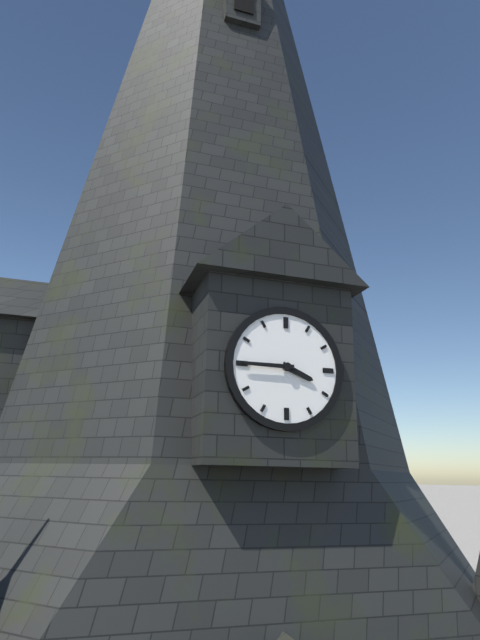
{"hour": 3, "minute": 45}
